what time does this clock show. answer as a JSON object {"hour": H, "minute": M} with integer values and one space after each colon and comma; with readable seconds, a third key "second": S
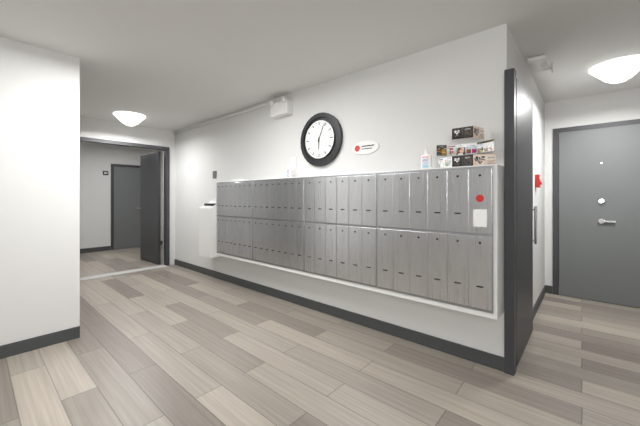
{"hour": 6, "minute": 4}
